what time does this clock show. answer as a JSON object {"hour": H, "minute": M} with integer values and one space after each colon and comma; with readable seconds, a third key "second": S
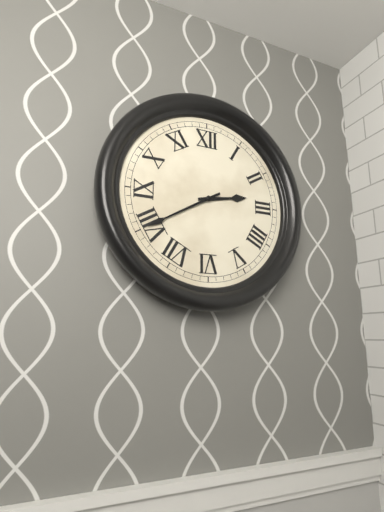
{"hour": 2, "minute": 40}
